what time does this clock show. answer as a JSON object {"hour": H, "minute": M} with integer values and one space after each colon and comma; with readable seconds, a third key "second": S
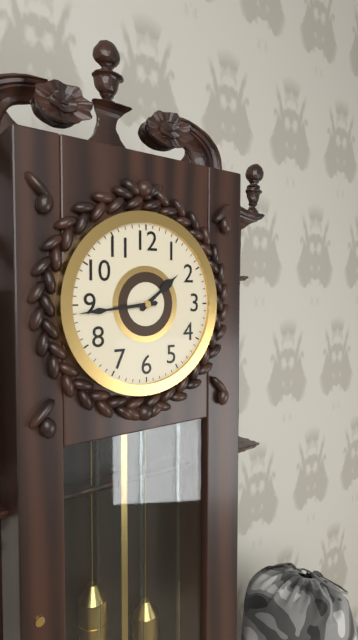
{"hour": 1, "minute": 44}
